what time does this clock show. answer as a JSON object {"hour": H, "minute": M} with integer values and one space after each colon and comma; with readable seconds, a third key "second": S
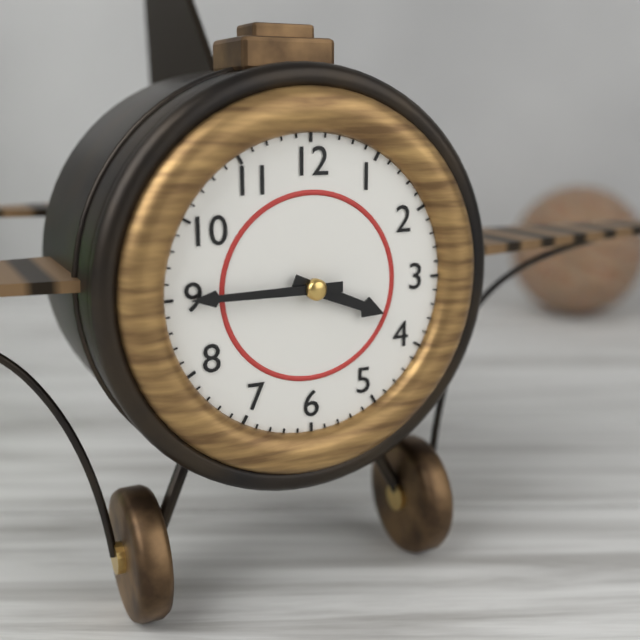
{"hour": 3, "minute": 45}
